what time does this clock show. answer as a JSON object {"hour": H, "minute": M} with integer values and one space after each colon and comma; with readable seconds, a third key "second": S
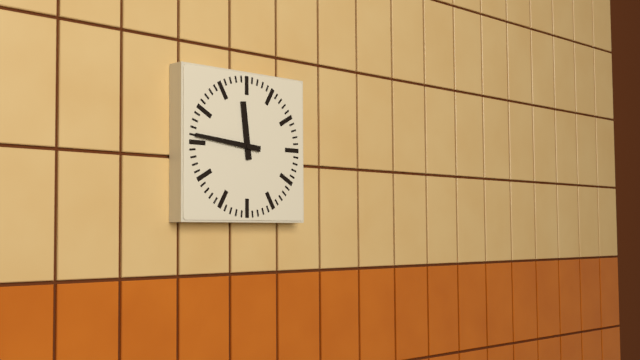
{"hour": 11, "minute": 46}
